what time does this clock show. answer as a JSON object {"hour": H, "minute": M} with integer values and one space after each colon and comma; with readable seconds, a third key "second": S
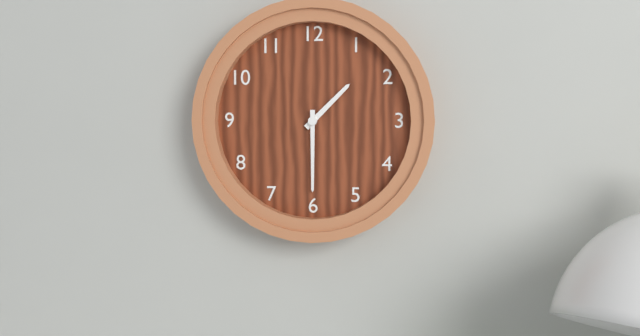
{"hour": 1, "minute": 30}
